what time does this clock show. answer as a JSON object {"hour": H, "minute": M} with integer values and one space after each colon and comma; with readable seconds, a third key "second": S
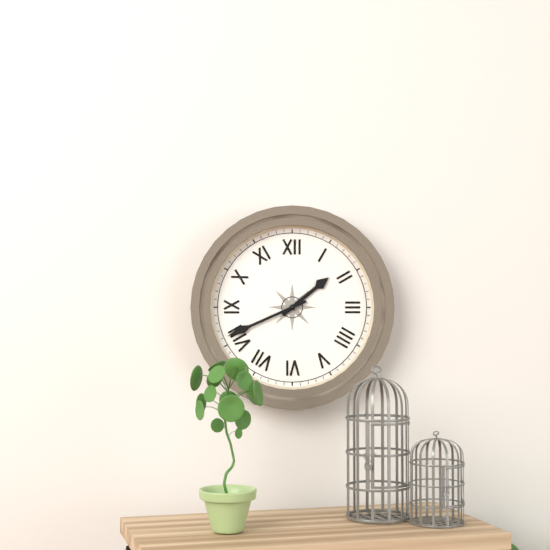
{"hour": 1, "minute": 41}
